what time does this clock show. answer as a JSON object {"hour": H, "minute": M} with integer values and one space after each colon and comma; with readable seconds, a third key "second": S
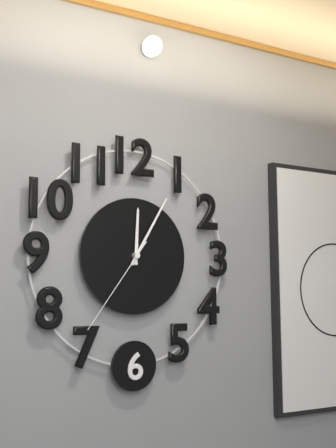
{"hour": 12, "minute": 5, "second": 36}
